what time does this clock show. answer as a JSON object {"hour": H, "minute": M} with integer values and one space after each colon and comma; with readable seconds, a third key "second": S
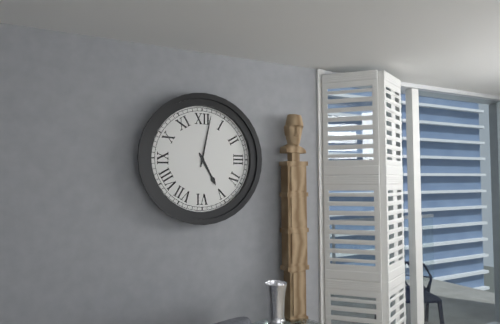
{"hour": 5, "minute": 2}
